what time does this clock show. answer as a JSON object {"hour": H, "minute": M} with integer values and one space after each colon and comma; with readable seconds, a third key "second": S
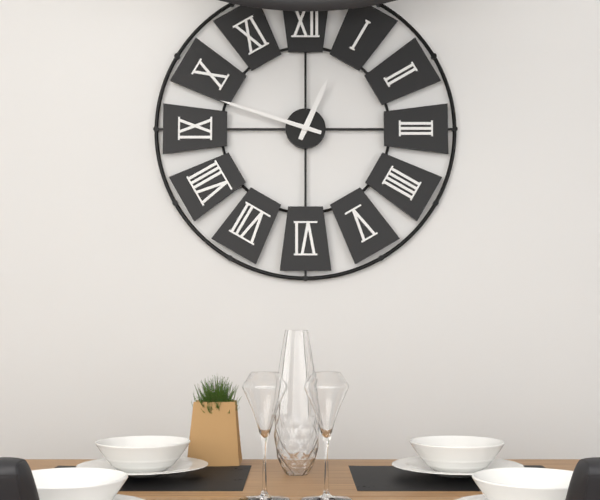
{"hour": 12, "minute": 48}
